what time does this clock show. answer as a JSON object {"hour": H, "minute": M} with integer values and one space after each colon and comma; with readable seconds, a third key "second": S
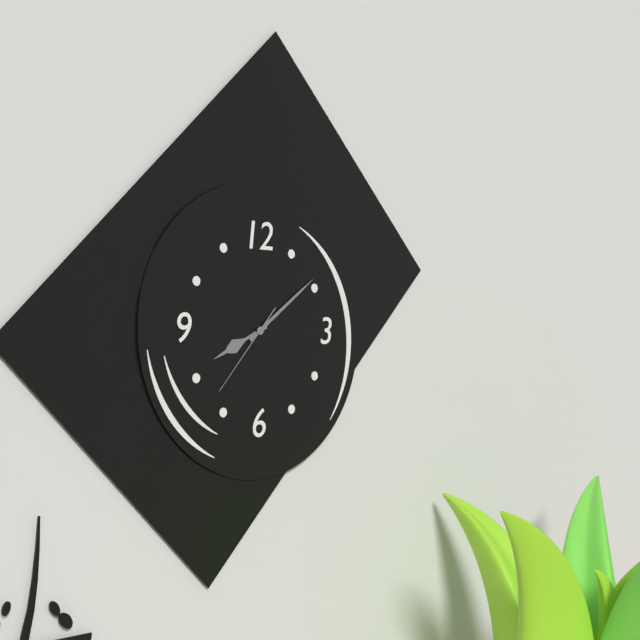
{"hour": 8, "minute": 9, "second": 37}
